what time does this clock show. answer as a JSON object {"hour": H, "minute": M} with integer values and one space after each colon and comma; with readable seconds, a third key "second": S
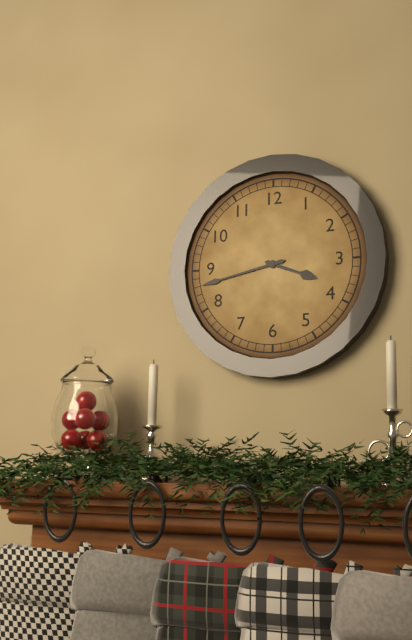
{"hour": 3, "minute": 43}
